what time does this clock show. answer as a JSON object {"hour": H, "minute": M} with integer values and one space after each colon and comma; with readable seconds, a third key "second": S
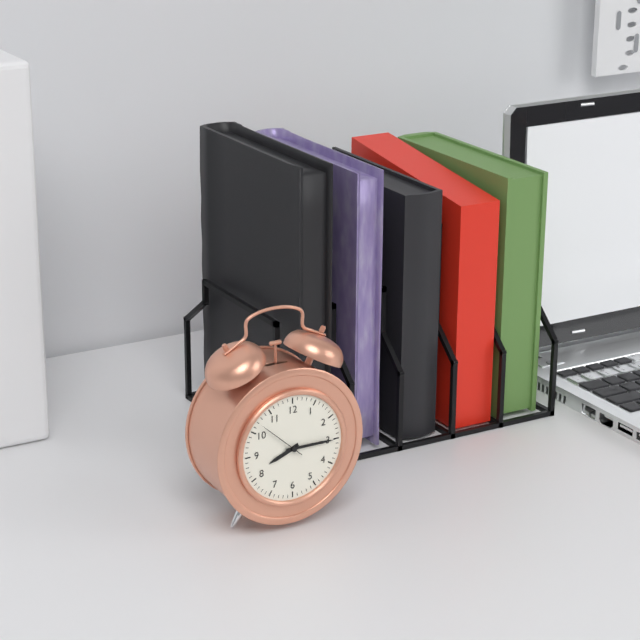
{"hour": 8, "minute": 15, "second": 52}
